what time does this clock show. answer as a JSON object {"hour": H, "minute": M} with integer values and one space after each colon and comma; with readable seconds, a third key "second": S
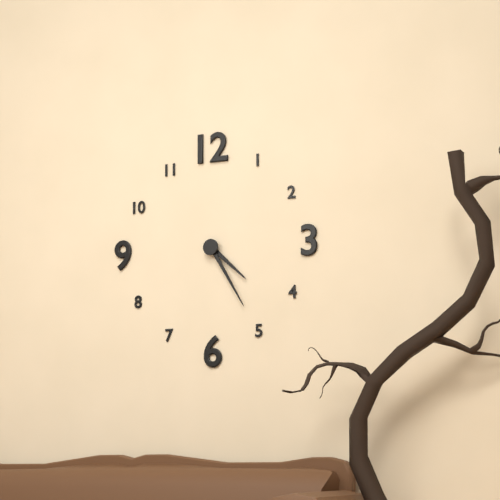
{"hour": 4, "minute": 25}
